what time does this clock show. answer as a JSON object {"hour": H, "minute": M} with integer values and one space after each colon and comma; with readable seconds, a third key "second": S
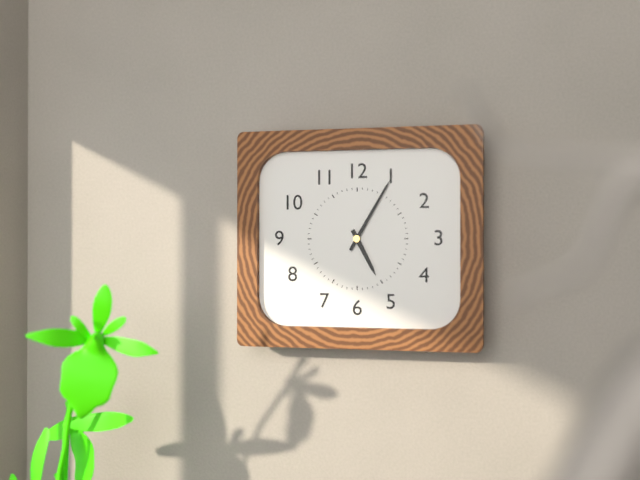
{"hour": 5, "minute": 5}
